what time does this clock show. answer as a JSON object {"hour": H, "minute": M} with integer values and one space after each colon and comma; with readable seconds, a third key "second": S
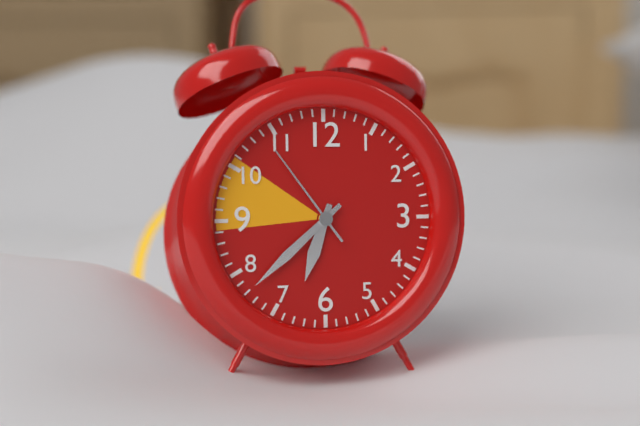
{"hour": 6, "minute": 38, "second": 54}
